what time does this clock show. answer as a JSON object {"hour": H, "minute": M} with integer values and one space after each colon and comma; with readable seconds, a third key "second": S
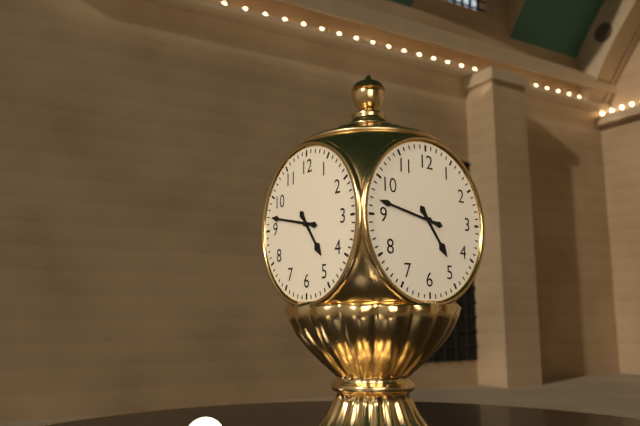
{"hour": 4, "minute": 47}
